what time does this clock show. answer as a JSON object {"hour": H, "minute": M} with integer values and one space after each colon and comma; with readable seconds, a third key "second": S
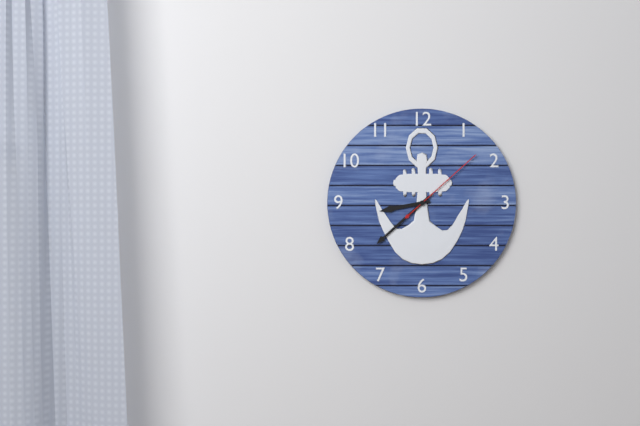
{"hour": 8, "minute": 38, "second": 8}
